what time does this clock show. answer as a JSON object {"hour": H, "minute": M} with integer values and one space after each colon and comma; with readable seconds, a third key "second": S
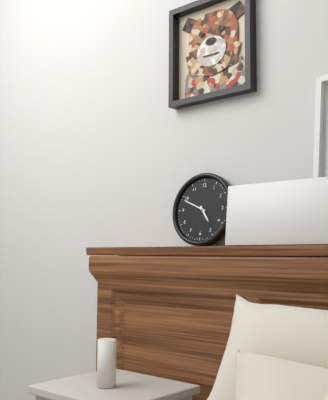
{"hour": 4, "minute": 49}
